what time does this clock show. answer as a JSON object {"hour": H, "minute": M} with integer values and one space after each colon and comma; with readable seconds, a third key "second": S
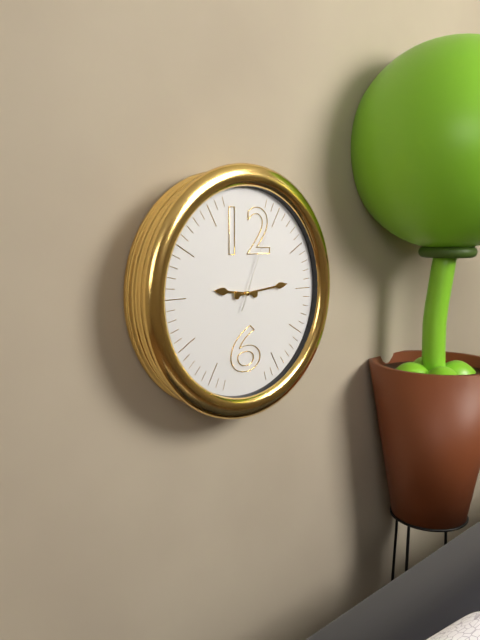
{"hour": 9, "minute": 14, "second": 4}
